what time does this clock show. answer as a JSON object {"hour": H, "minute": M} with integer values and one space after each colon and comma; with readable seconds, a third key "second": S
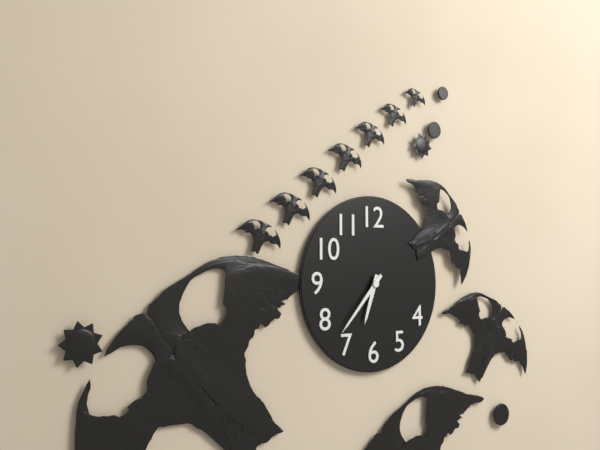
{"hour": 6, "minute": 37}
